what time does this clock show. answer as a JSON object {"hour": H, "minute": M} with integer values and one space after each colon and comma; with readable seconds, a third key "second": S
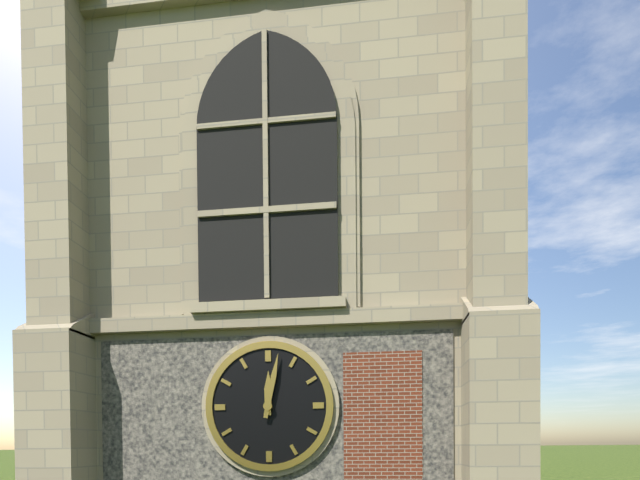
{"hour": 12, "minute": 2}
